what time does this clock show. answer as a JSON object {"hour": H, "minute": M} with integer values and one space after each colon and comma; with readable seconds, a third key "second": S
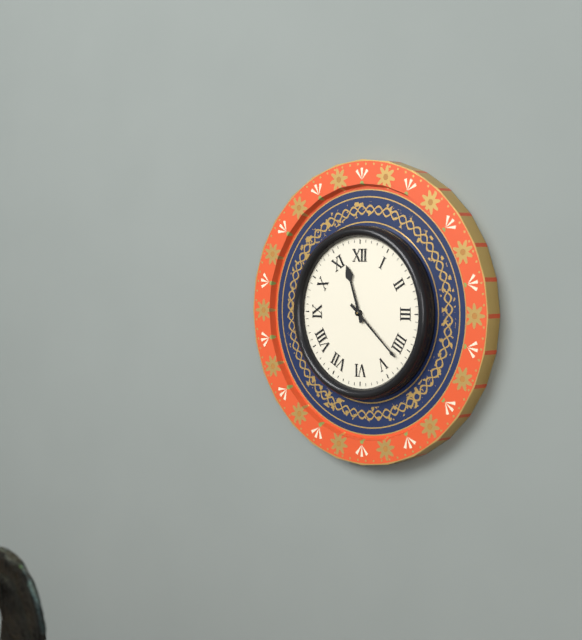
{"hour": 11, "minute": 22}
